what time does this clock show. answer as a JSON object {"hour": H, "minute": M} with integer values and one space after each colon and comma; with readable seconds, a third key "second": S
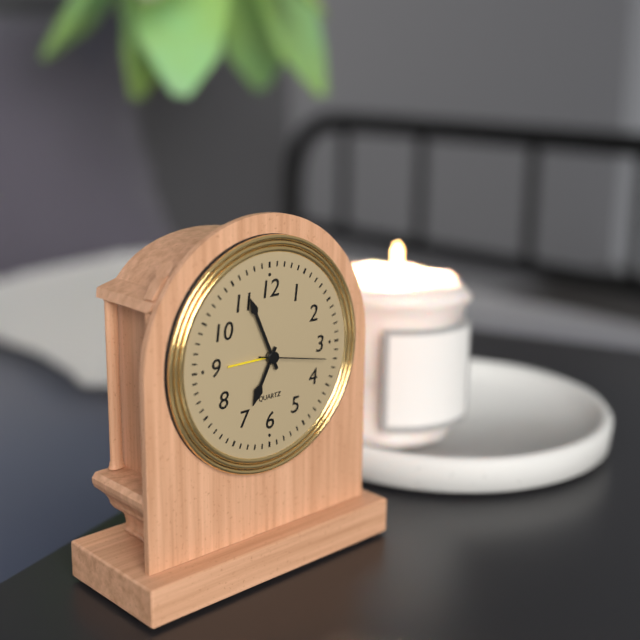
{"hour": 6, "minute": 56, "second": 17}
